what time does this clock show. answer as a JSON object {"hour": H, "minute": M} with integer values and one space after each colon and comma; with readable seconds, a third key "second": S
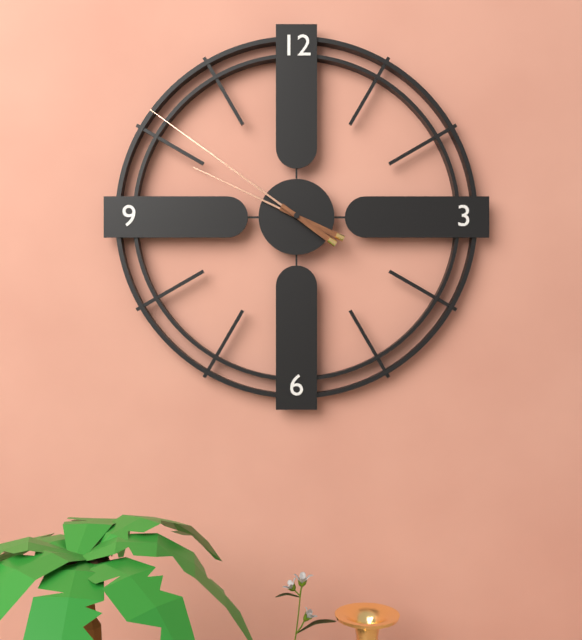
{"hour": 9, "minute": 51}
